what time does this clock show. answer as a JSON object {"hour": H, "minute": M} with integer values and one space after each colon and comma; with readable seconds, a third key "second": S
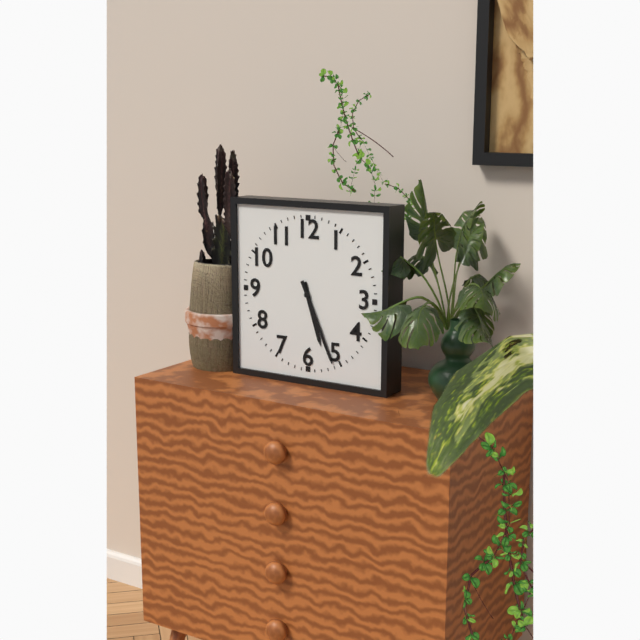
{"hour": 5, "minute": 26}
